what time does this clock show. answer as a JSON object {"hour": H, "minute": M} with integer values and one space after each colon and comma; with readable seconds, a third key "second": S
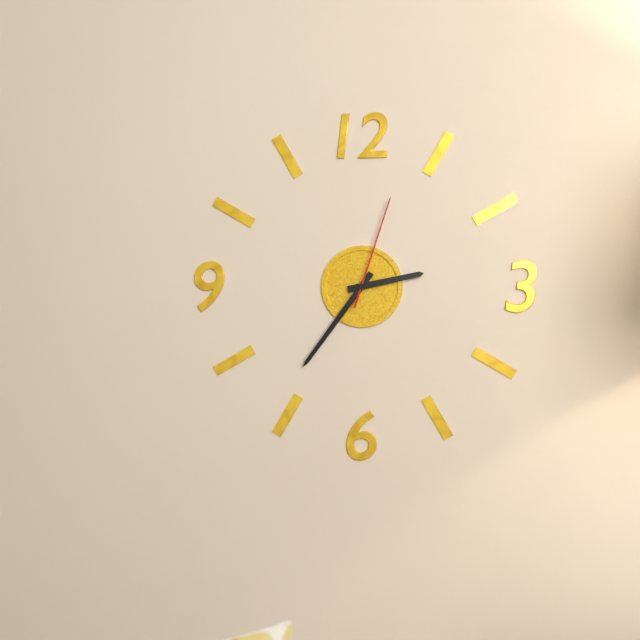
{"hour": 2, "minute": 36, "second": 3}
